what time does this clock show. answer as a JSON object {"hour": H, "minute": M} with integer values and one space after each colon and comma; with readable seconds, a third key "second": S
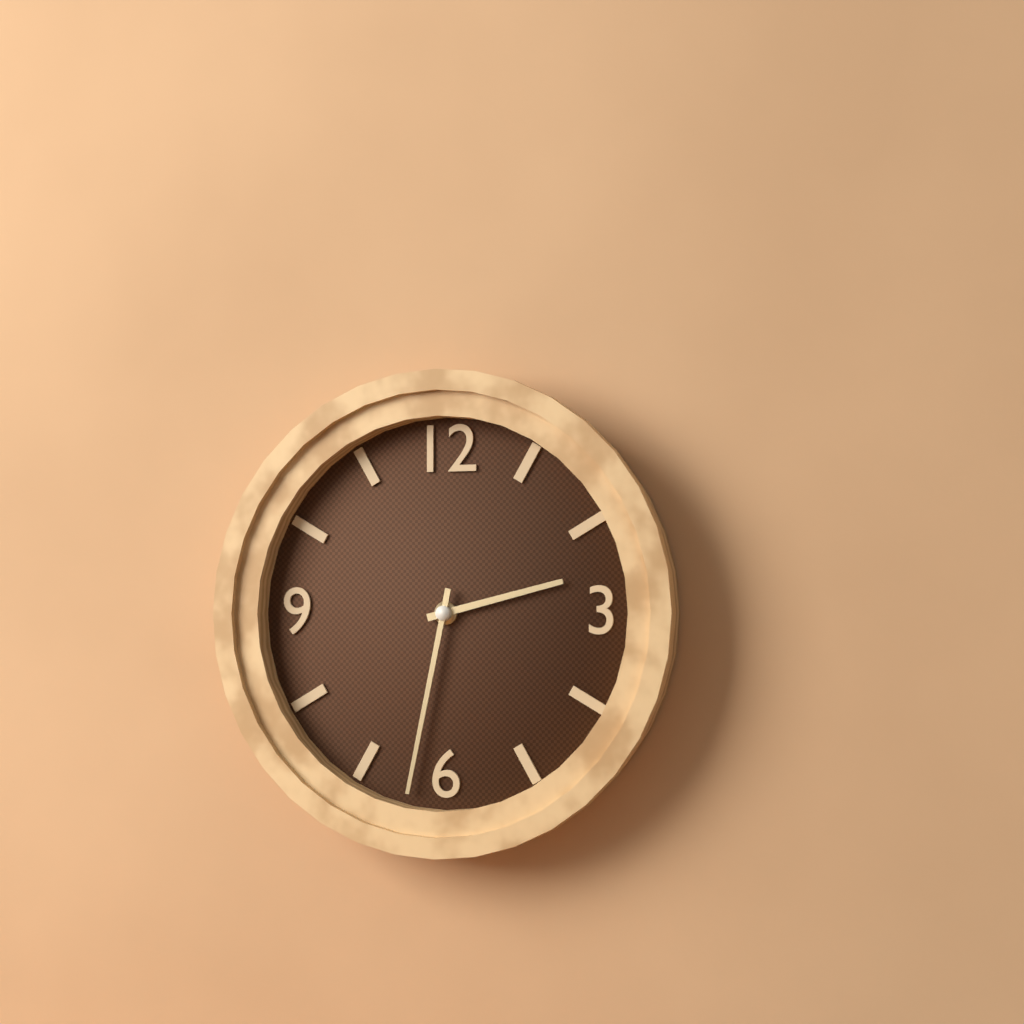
{"hour": 2, "minute": 32}
